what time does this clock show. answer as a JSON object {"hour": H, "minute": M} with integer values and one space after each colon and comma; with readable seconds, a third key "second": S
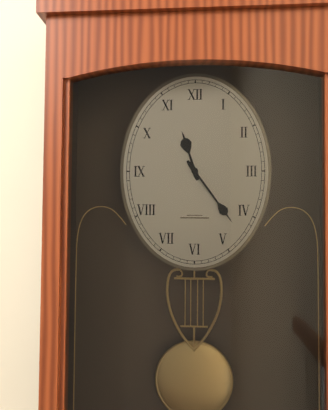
{"hour": 11, "minute": 24}
